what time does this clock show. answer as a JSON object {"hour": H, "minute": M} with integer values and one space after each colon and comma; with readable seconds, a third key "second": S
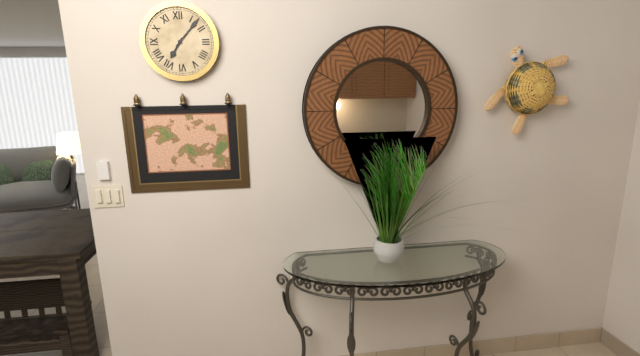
{"hour": 7, "minute": 7}
